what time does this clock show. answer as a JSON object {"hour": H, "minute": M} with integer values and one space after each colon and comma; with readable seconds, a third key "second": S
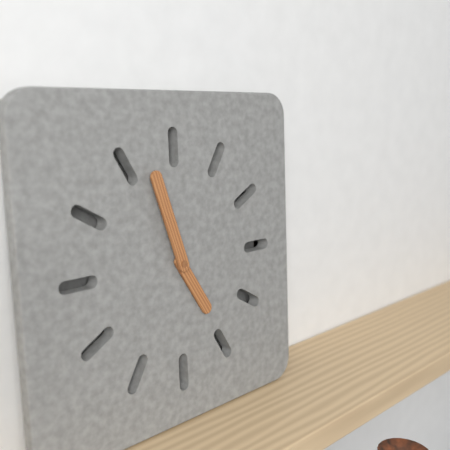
{"hour": 4, "minute": 57}
